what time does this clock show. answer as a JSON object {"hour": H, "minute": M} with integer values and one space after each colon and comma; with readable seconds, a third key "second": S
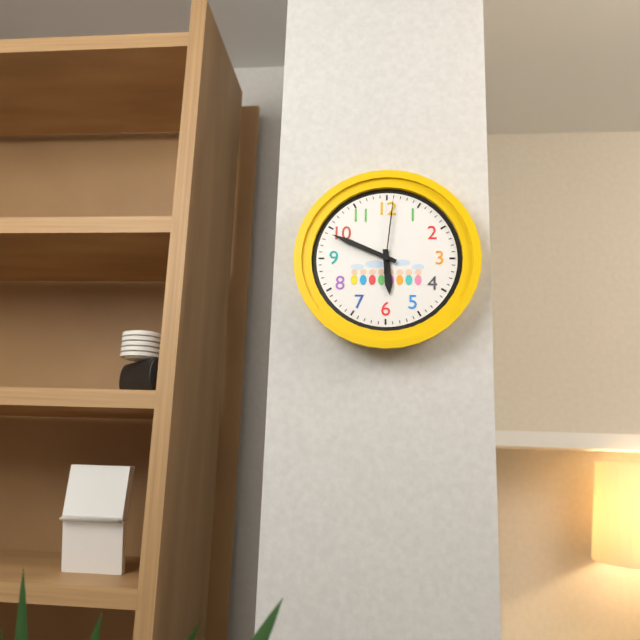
{"hour": 5, "minute": 49, "second": 1}
